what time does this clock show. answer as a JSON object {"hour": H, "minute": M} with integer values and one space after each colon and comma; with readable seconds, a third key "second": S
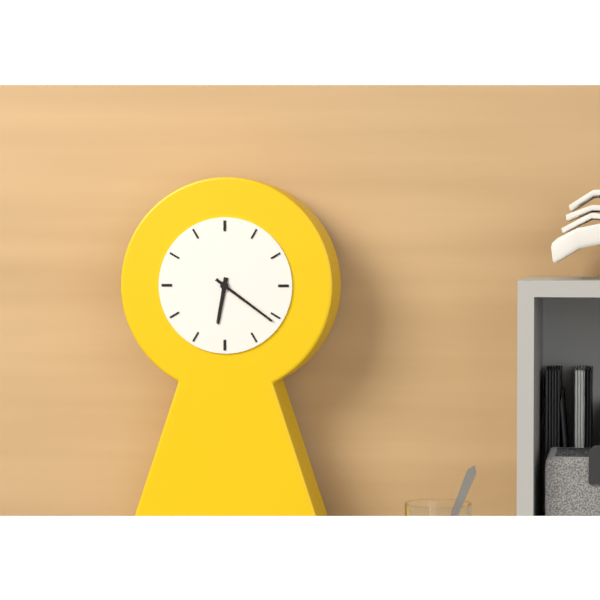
{"hour": 6, "minute": 21}
